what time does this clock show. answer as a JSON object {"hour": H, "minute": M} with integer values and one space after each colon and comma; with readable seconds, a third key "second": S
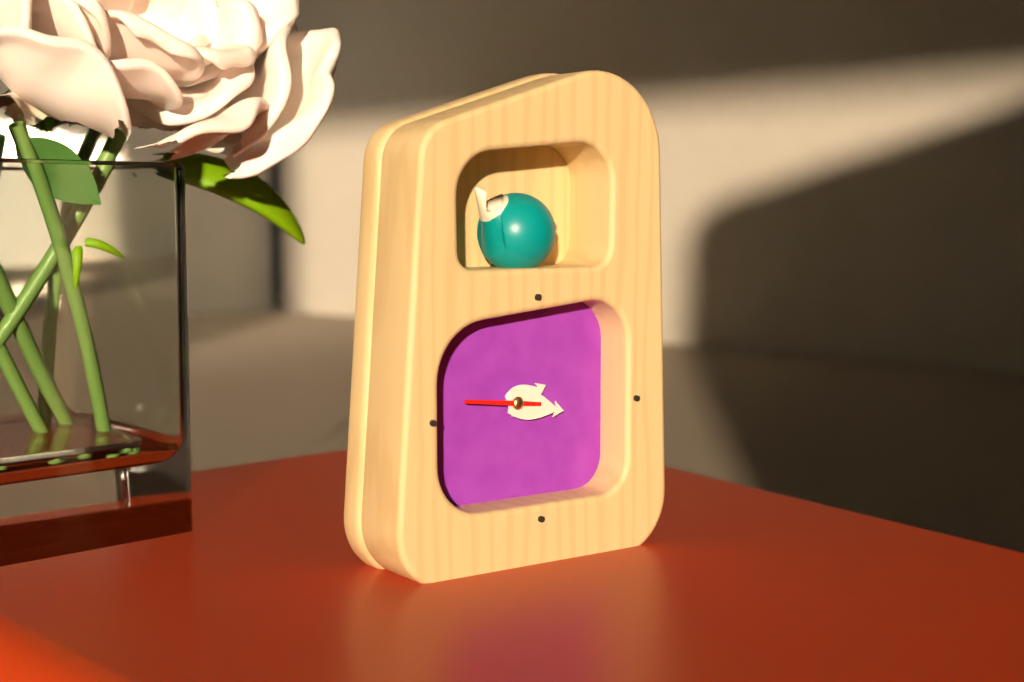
{"hour": 2, "minute": 17, "second": 46}
